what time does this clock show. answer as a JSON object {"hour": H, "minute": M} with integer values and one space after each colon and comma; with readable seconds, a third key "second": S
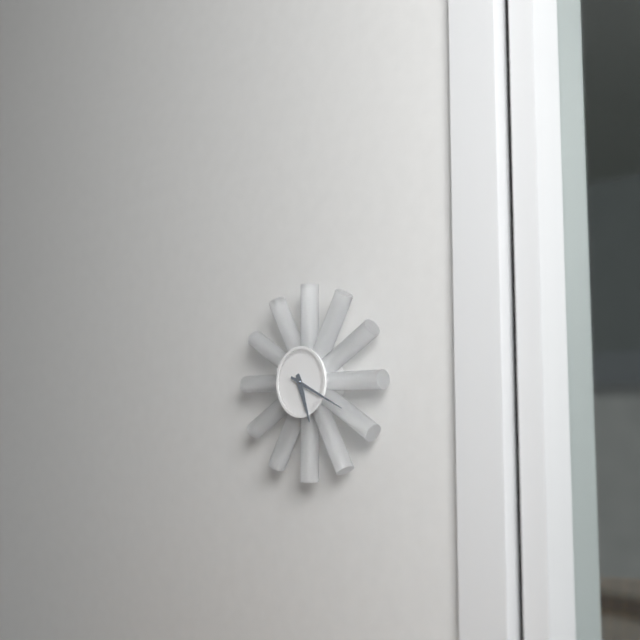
{"hour": 5, "minute": 19}
